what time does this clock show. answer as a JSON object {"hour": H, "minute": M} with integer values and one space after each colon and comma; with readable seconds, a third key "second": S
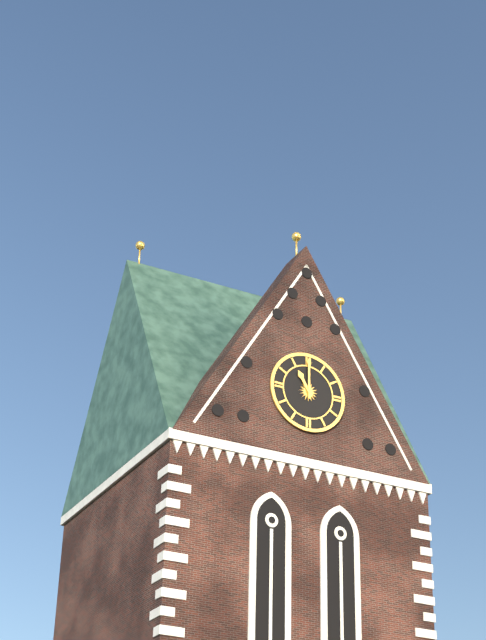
{"hour": 11, "minute": 0}
